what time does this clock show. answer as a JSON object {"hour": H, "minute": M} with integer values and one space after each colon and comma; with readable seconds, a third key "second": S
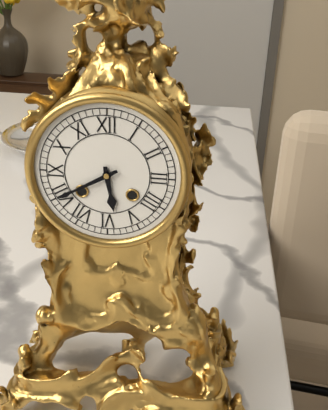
{"hour": 5, "minute": 40}
